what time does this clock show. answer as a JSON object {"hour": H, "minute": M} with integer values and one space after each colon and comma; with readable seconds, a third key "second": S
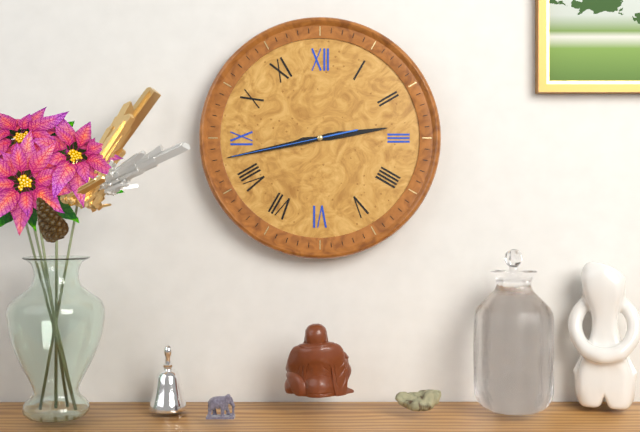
{"hour": 2, "minute": 43, "second": 43}
